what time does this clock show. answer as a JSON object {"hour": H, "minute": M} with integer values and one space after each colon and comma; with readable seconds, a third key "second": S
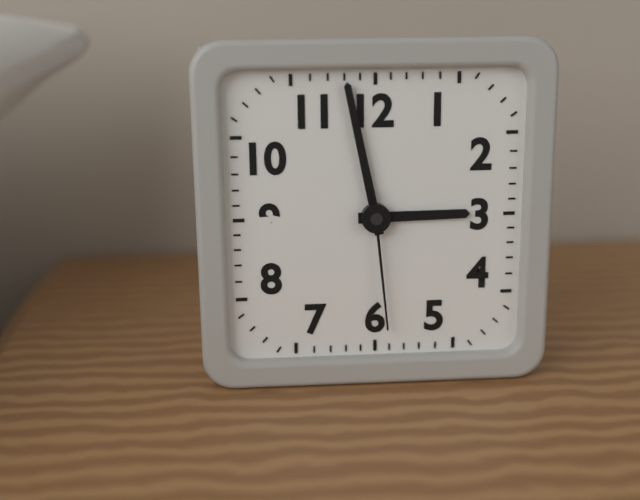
{"hour": 2, "minute": 58, "second": 29}
